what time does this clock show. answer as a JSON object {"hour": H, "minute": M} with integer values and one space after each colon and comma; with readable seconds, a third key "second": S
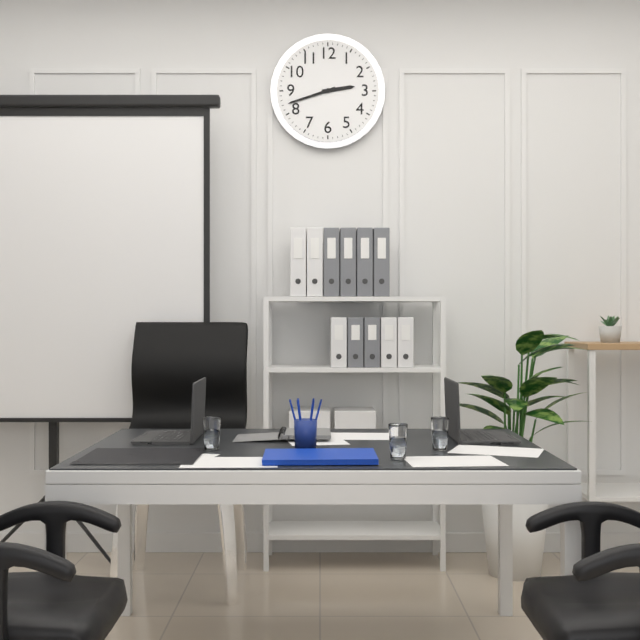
{"hour": 2, "minute": 42}
